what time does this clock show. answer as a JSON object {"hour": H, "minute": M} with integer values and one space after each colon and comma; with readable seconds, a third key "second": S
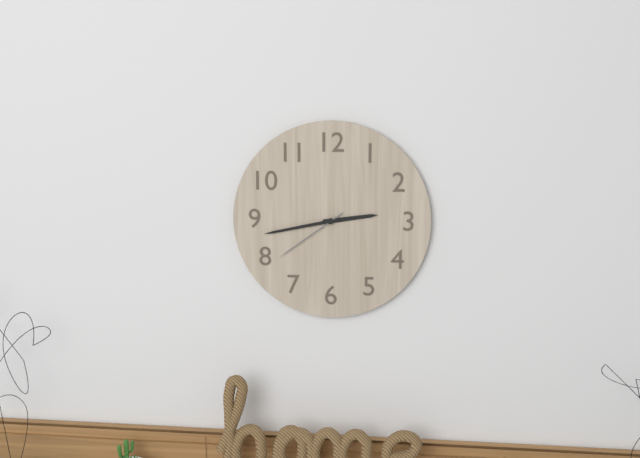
{"hour": 2, "minute": 43, "second": 39}
